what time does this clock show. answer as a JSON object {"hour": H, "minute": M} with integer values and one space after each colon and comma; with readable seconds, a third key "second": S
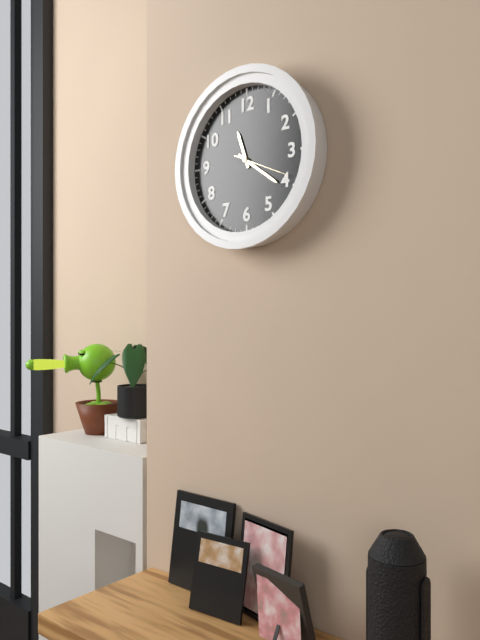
{"hour": 11, "minute": 21, "second": 19}
